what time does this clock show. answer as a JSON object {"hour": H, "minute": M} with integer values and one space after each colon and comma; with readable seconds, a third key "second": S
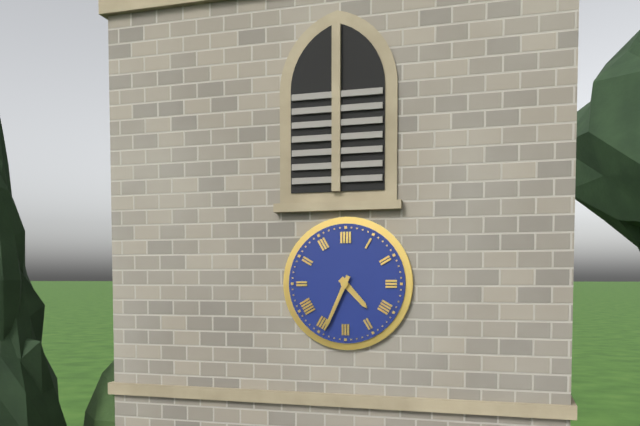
{"hour": 4, "minute": 34}
